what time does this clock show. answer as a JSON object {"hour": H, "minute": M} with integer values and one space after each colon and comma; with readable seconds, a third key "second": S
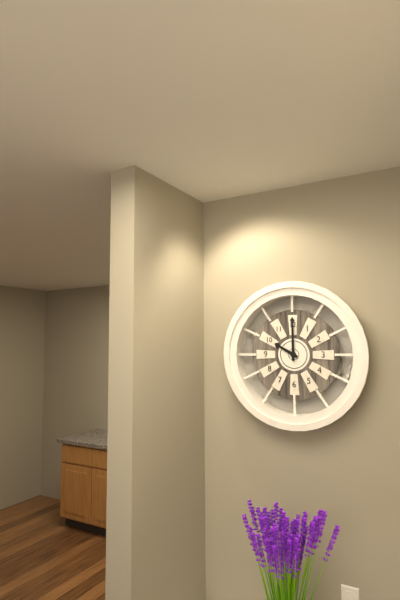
{"hour": 10, "minute": 0}
